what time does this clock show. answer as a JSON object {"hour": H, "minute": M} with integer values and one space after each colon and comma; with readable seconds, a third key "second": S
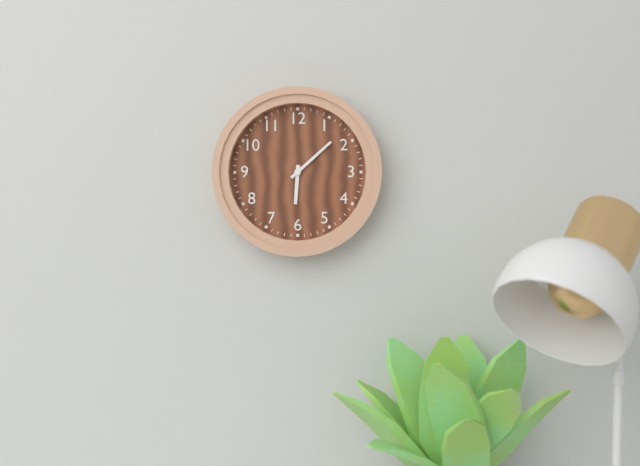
{"hour": 6, "minute": 8}
